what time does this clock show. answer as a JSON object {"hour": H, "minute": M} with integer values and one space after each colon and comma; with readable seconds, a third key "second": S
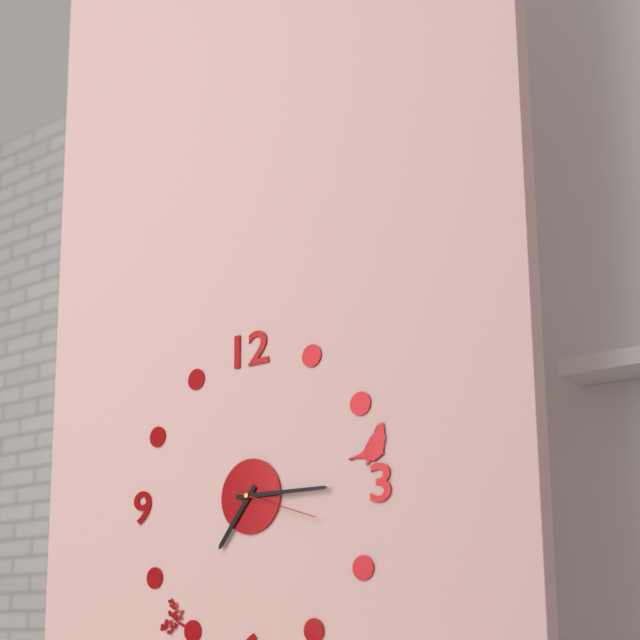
{"hour": 7, "minute": 15, "second": 18}
